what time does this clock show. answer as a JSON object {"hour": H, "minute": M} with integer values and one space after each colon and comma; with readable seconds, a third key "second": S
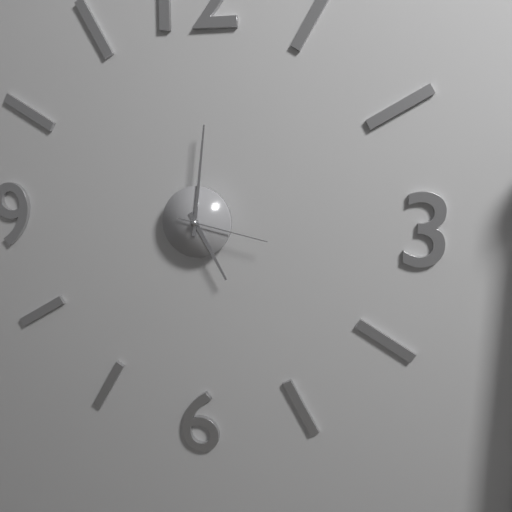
{"hour": 5, "minute": 1, "second": 17}
